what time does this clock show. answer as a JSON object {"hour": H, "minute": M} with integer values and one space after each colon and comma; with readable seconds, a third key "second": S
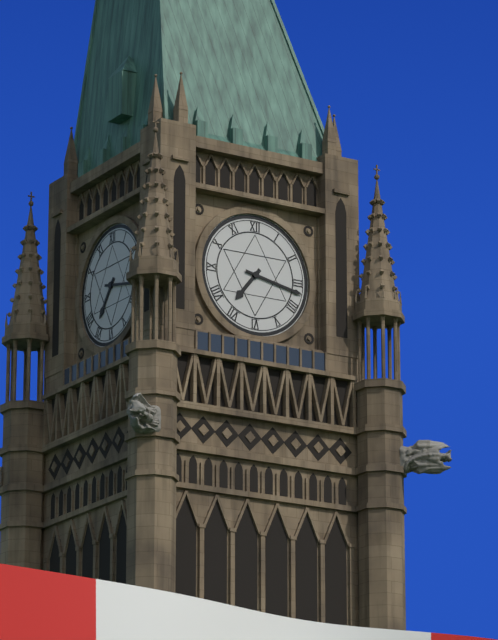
{"hour": 7, "minute": 17}
